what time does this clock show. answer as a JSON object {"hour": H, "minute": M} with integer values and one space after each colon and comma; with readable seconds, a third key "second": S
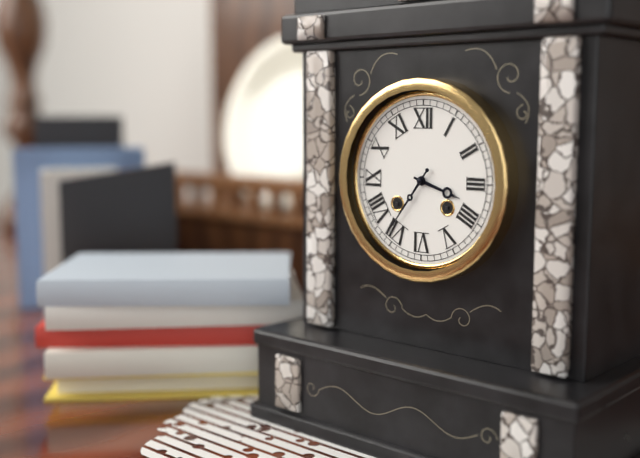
{"hour": 3, "minute": 36}
